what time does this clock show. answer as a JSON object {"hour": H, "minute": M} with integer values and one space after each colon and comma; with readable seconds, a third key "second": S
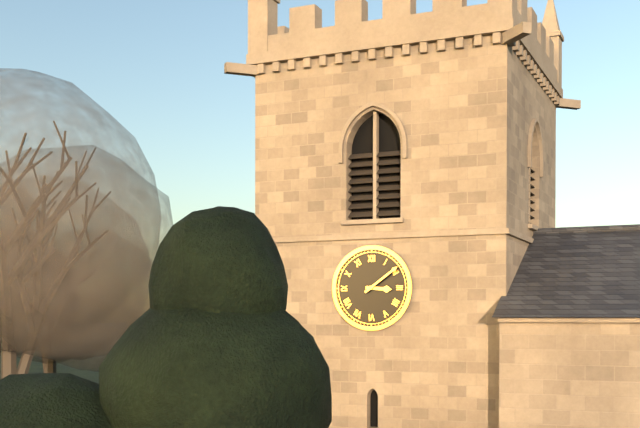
{"hour": 3, "minute": 9}
